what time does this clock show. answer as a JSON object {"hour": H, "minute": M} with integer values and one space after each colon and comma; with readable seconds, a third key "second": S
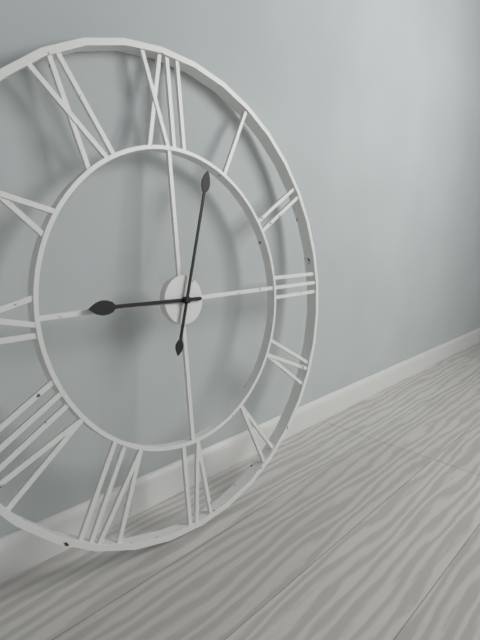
{"hour": 9, "minute": 3}
